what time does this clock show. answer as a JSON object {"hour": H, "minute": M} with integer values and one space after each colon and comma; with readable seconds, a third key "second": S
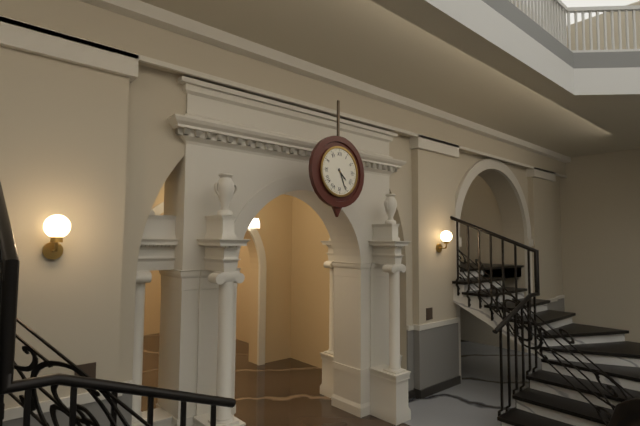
{"hour": 4, "minute": 26}
